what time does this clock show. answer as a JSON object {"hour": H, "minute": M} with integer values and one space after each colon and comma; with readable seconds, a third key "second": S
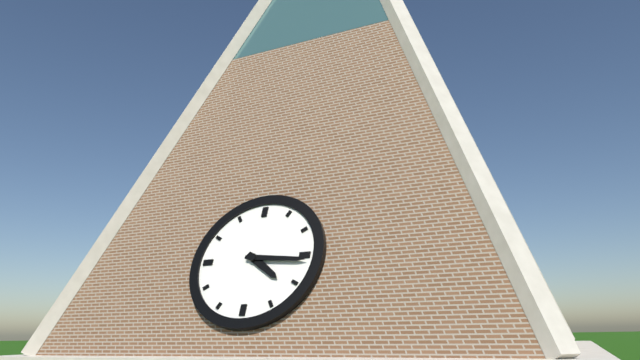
{"hour": 4, "minute": 16}
